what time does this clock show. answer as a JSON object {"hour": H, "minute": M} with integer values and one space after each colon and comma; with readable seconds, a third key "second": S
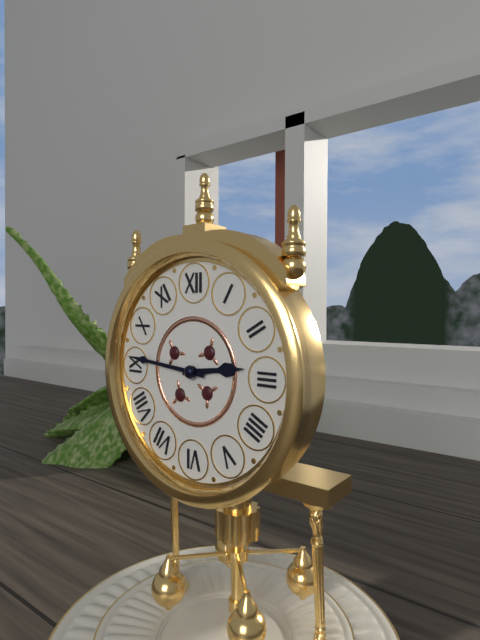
{"hour": 2, "minute": 46}
